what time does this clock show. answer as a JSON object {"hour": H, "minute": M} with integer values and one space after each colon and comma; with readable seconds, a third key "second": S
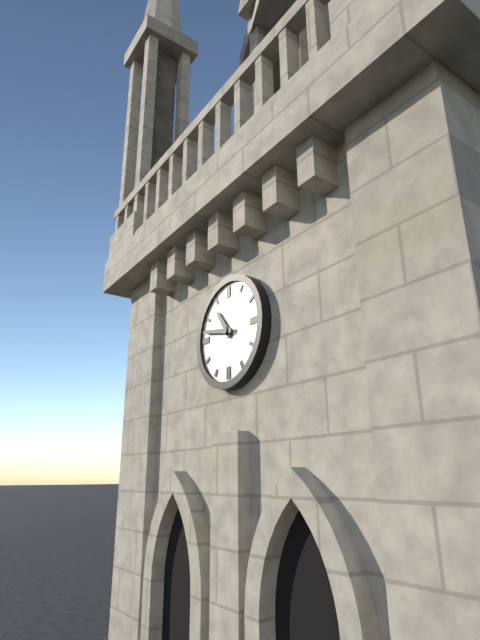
{"hour": 10, "minute": 47}
